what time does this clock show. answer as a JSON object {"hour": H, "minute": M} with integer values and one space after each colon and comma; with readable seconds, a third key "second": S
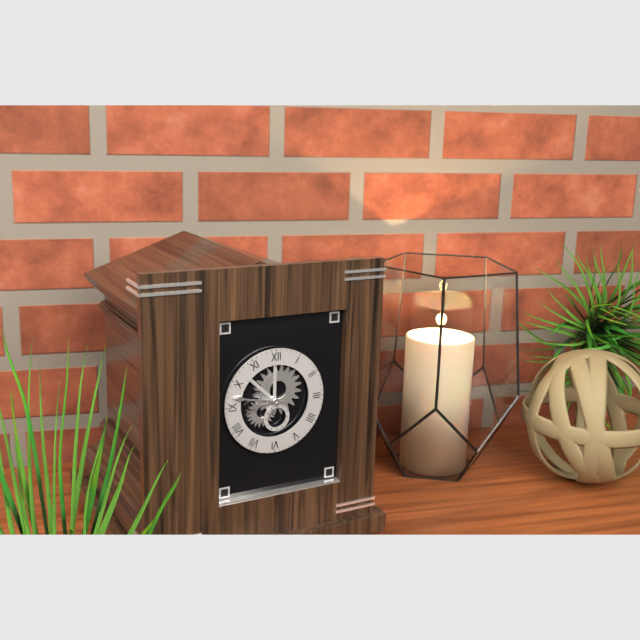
{"hour": 8, "minute": 47}
